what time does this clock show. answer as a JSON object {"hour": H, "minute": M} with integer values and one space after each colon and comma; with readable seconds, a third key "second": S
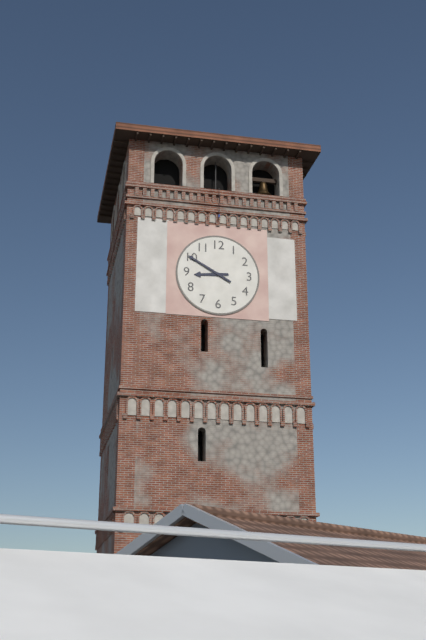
{"hour": 8, "minute": 50}
